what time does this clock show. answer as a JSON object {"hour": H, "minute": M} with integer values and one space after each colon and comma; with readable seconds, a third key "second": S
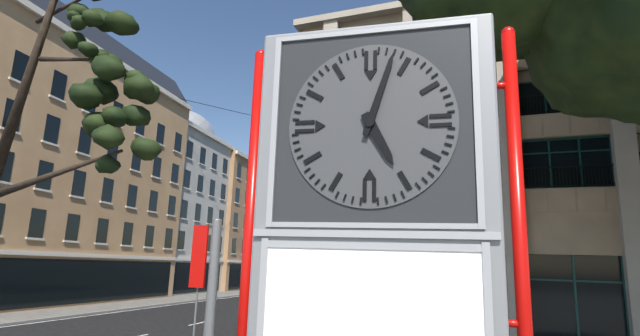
{"hour": 5, "minute": 3}
